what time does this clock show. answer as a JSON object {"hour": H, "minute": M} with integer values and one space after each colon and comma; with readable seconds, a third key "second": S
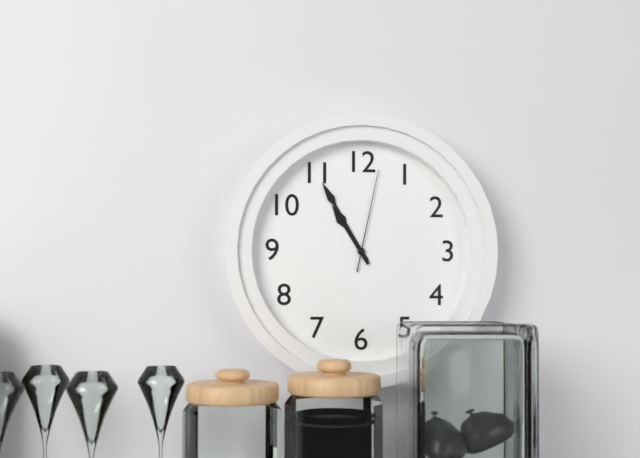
{"hour": 10, "minute": 55, "second": 2}
